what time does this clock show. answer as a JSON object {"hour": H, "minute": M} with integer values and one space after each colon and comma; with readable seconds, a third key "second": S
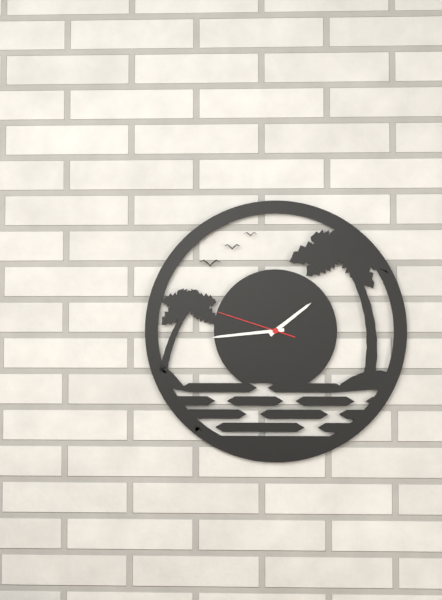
{"hour": 1, "minute": 44, "second": 48}
